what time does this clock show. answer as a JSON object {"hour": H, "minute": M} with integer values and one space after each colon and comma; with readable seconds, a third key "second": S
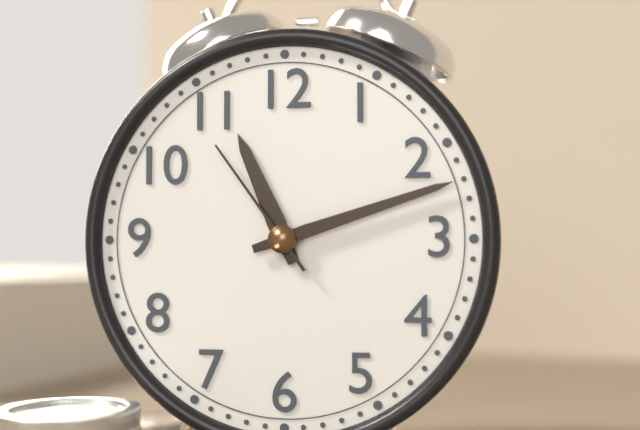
{"hour": 11, "minute": 12, "second": 54}
